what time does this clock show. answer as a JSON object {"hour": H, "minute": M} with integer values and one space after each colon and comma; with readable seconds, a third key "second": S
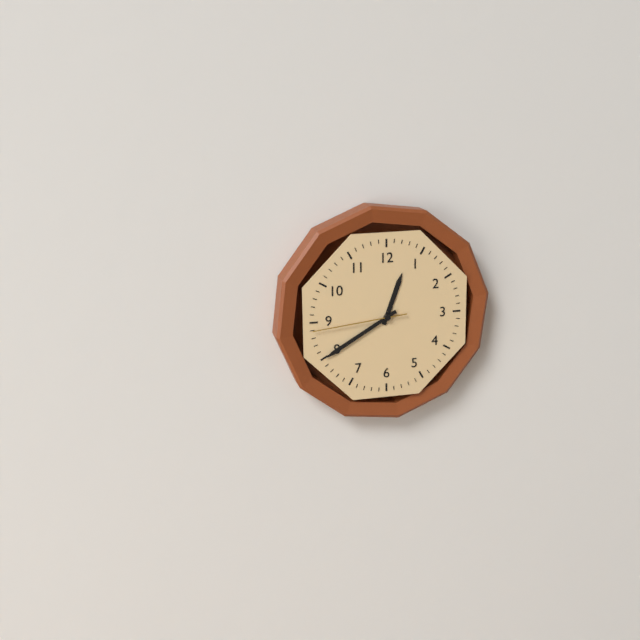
{"hour": 12, "minute": 40, "second": 44}
